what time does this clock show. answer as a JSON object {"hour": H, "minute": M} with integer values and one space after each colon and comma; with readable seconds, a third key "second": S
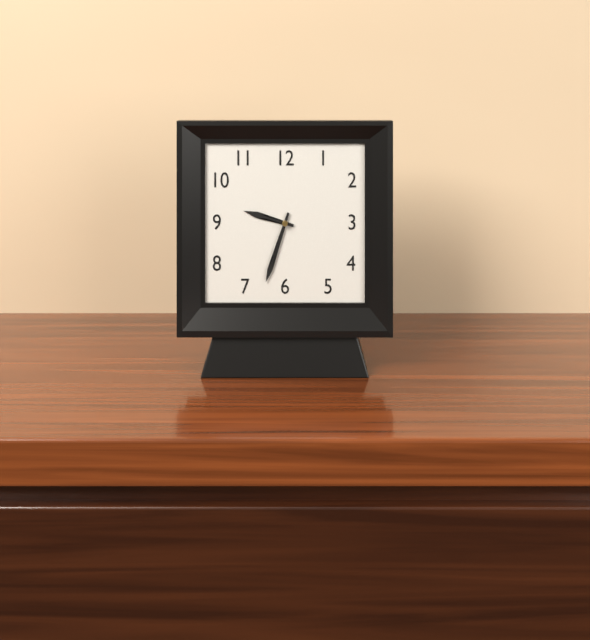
{"hour": 9, "minute": 33}
